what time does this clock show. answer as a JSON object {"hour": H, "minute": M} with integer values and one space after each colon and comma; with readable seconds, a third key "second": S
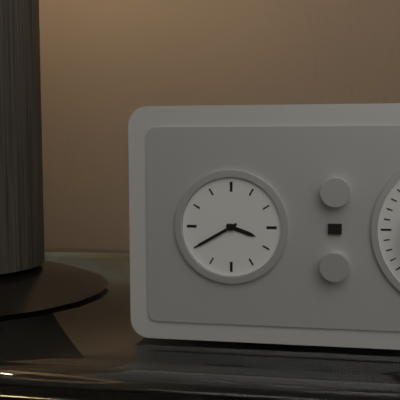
{"hour": 3, "minute": 40}
